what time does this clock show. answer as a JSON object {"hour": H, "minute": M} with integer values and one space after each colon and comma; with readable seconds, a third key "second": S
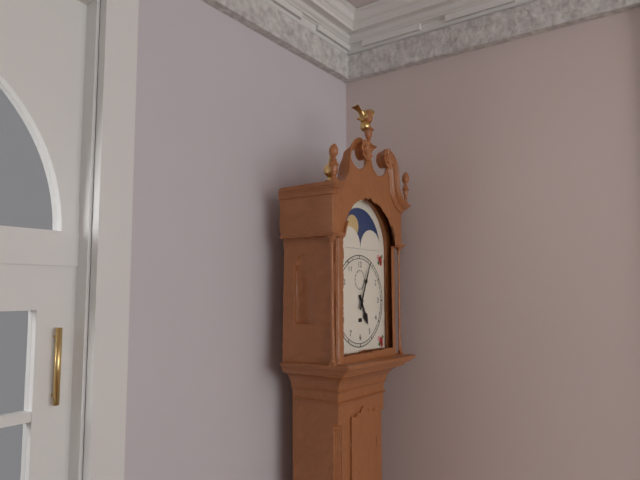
{"hour": 5, "minute": 4}
